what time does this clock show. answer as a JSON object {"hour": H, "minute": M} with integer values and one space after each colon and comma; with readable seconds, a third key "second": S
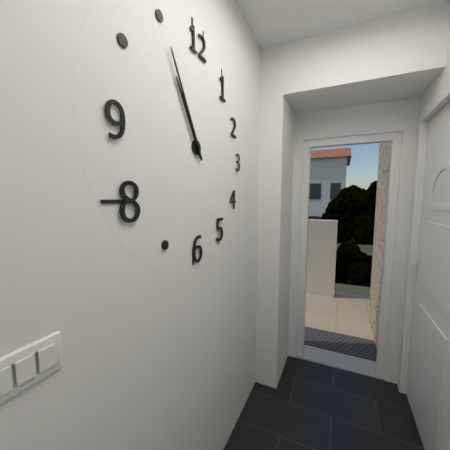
{"hour": 10, "minute": 55}
